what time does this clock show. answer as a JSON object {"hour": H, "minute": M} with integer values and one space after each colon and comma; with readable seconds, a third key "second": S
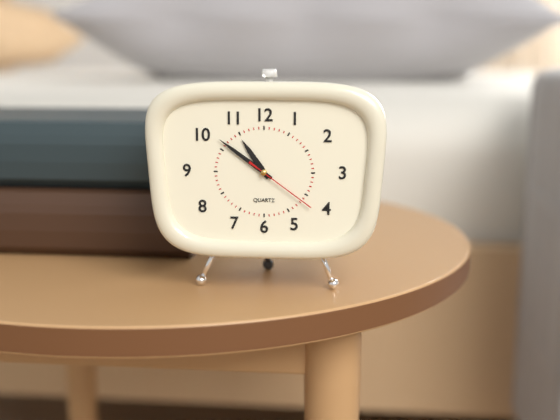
{"hour": 10, "minute": 51, "second": 21}
